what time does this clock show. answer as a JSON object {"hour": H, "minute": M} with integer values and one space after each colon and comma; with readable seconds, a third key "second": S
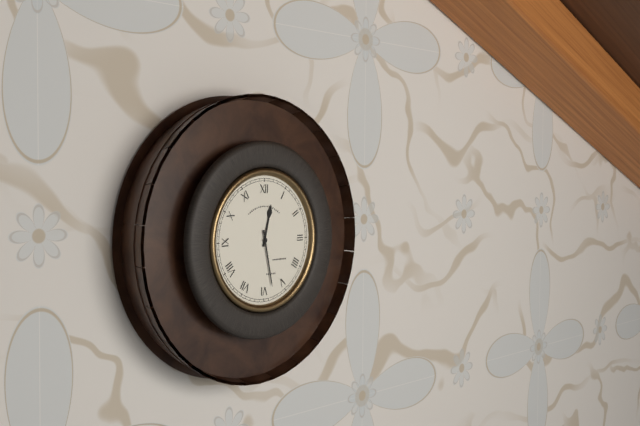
{"hour": 12, "minute": 28}
